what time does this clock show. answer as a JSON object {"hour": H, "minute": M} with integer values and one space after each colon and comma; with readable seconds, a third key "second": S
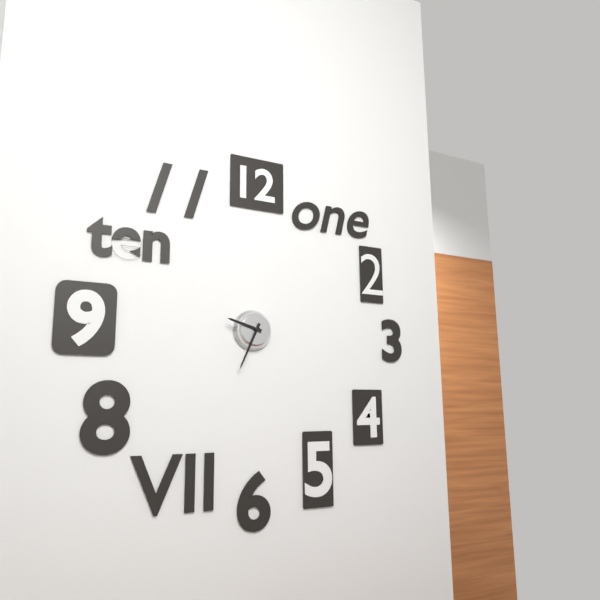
{"hour": 9, "minute": 34}
